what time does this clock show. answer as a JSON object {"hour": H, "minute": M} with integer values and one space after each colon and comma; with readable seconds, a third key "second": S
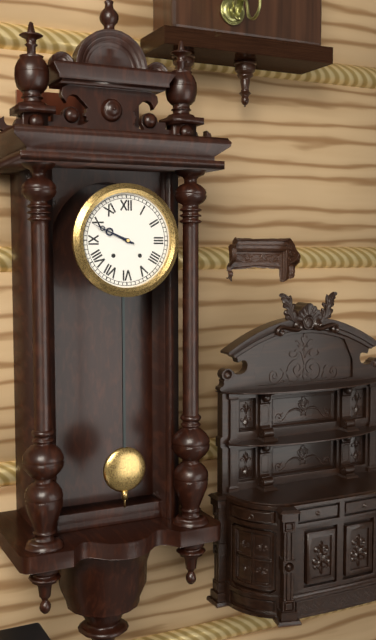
{"hour": 9, "minute": 49}
